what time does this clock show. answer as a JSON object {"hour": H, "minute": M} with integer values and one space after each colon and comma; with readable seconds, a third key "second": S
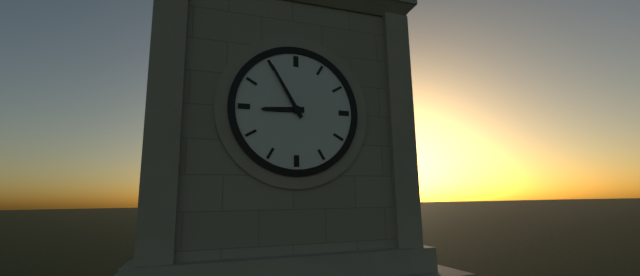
{"hour": 8, "minute": 55}
